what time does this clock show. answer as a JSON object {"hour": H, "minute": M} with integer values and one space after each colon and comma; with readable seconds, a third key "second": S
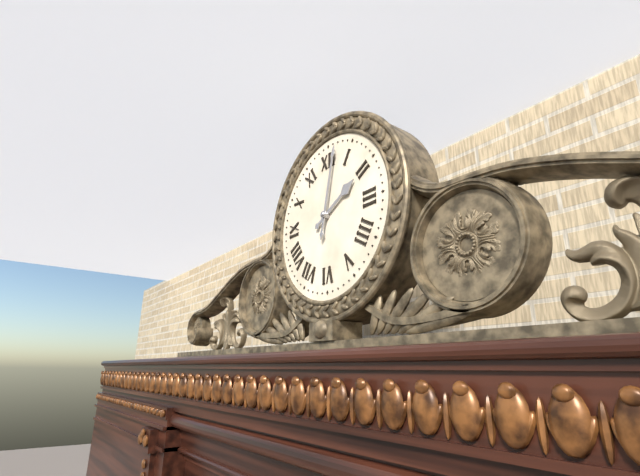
{"hour": 2, "minute": 2}
